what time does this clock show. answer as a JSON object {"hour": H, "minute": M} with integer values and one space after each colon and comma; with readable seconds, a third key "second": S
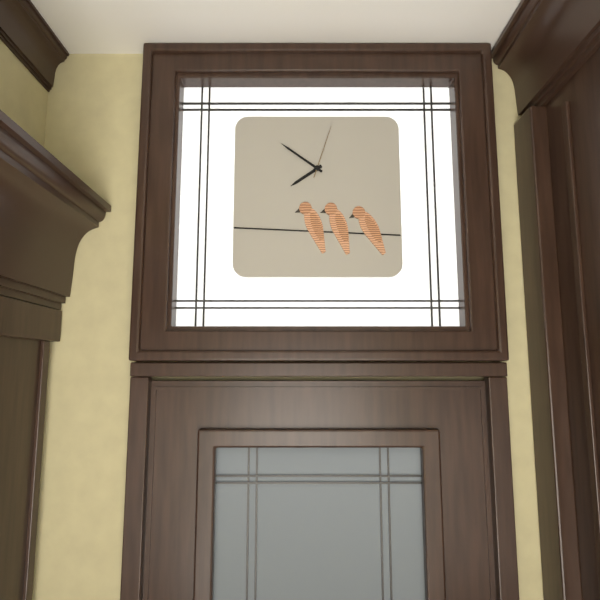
{"hour": 7, "minute": 51, "second": 3}
